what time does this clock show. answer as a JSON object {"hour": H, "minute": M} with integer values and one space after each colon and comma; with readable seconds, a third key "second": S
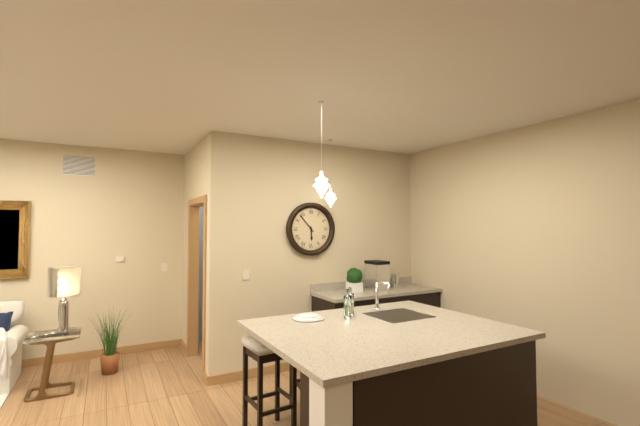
{"hour": 5, "minute": 53}
